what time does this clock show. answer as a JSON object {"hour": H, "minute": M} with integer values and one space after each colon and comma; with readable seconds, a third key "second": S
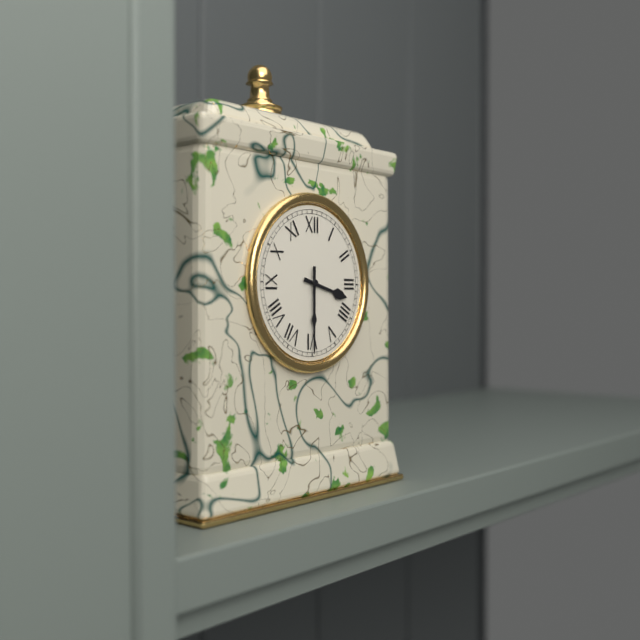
{"hour": 3, "minute": 30}
